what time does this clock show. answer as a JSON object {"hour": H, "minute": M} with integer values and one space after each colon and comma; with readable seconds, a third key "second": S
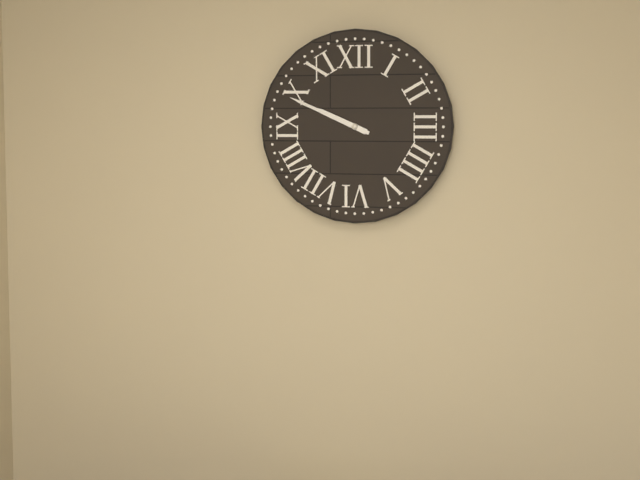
{"hour": 9, "minute": 49}
